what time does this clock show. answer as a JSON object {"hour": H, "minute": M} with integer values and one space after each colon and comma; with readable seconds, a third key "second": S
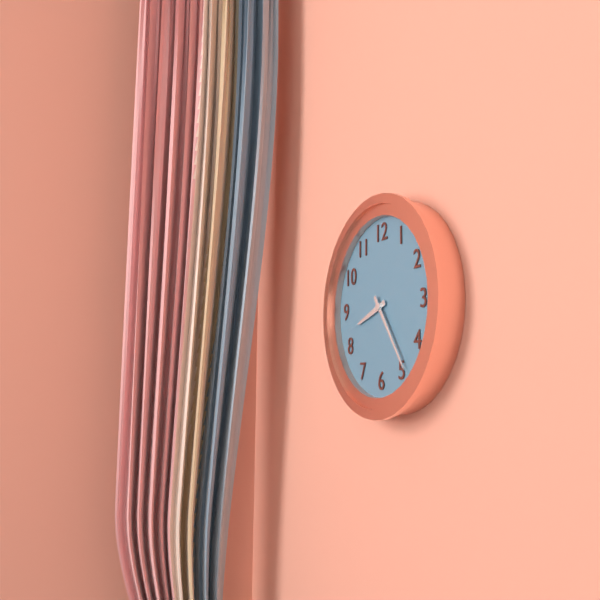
{"hour": 8, "minute": 24}
